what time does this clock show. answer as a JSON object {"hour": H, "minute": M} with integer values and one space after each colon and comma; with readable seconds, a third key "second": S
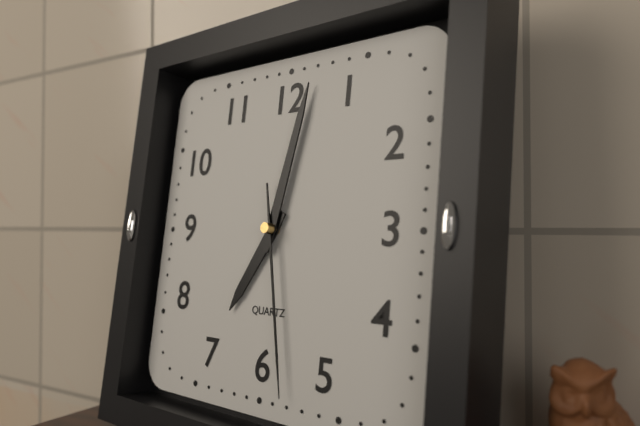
{"hour": 7, "minute": 2, "second": 28}
